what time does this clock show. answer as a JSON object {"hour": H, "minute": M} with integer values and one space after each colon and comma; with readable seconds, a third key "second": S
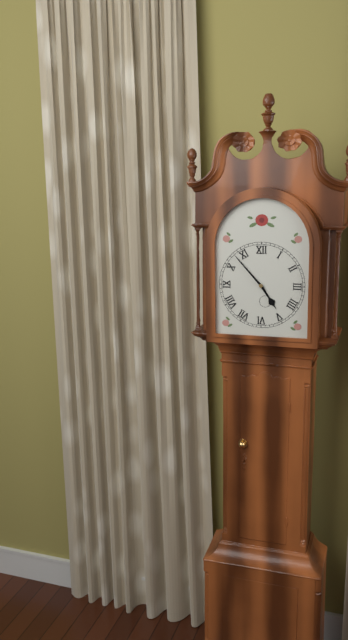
{"hour": 4, "minute": 53}
